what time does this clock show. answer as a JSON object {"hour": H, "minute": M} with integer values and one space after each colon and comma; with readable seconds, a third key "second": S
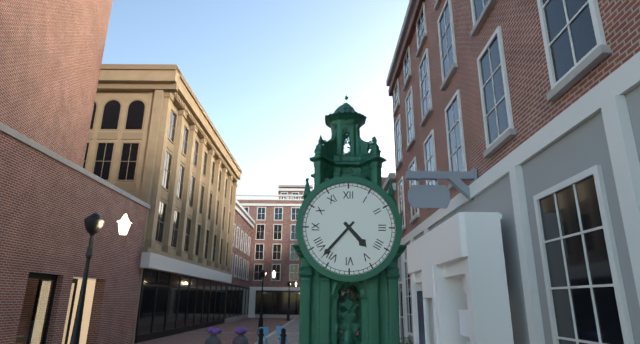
{"hour": 4, "minute": 37}
